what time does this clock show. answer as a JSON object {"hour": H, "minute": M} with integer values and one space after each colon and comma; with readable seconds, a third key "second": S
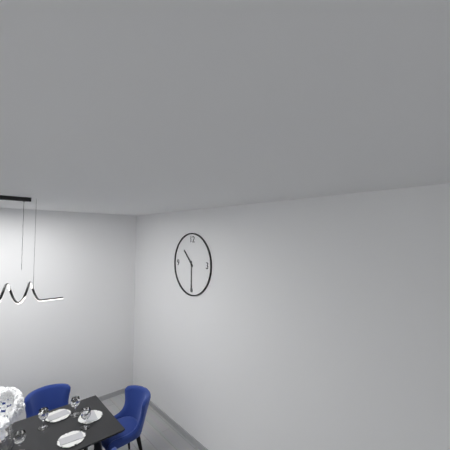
{"hour": 10, "minute": 30}
